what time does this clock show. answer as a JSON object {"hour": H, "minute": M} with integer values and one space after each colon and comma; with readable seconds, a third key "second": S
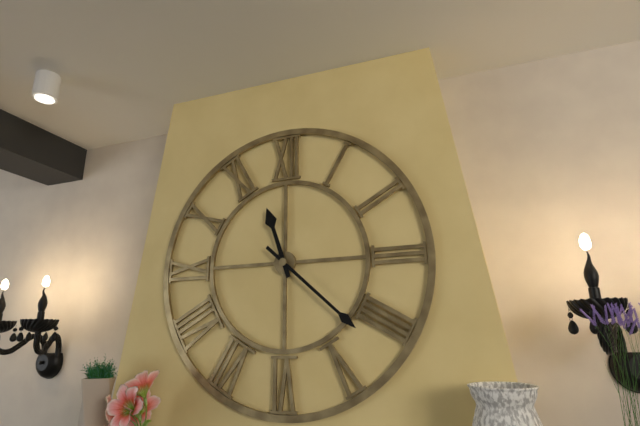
{"hour": 11, "minute": 22}
